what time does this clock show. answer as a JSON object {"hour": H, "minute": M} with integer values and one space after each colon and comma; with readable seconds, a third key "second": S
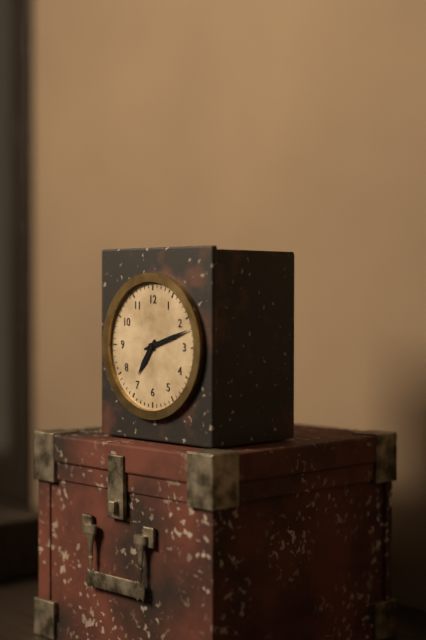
{"hour": 7, "minute": 12}
